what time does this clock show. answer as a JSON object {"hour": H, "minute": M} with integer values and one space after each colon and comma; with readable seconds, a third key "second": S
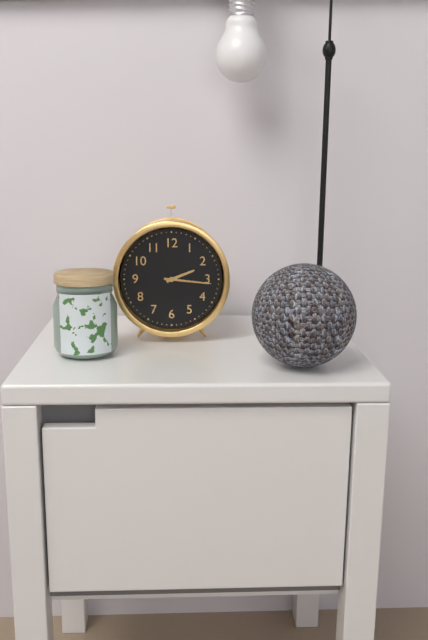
{"hour": 2, "minute": 16}
